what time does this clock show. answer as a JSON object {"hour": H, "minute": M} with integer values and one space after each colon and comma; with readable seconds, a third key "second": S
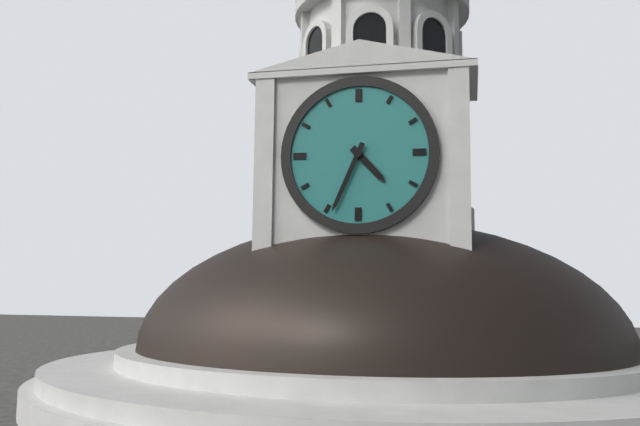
{"hour": 4, "minute": 34}
